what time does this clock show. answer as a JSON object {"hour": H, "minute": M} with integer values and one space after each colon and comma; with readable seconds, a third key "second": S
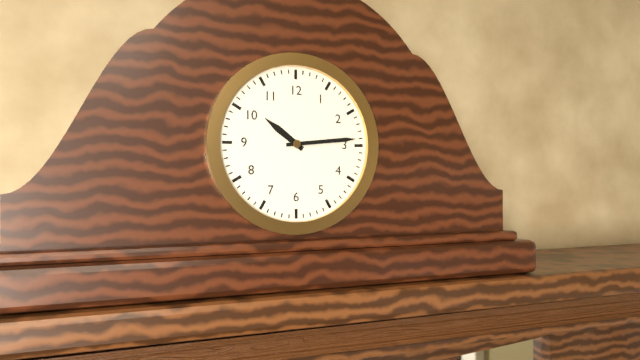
{"hour": 10, "minute": 14}
